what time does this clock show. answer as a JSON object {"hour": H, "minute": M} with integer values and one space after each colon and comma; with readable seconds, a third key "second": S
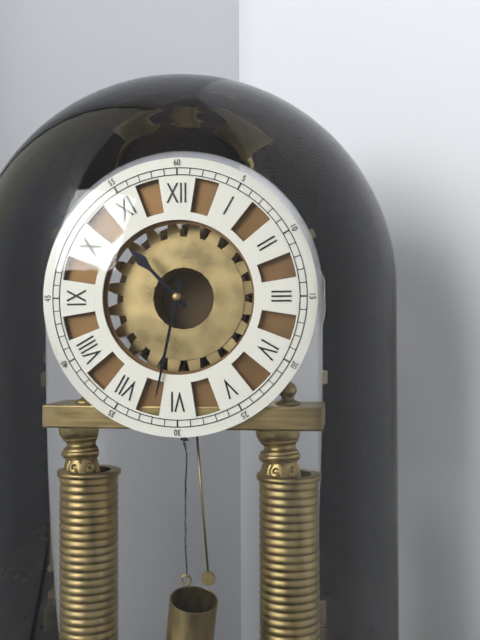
{"hour": 10, "minute": 32}
